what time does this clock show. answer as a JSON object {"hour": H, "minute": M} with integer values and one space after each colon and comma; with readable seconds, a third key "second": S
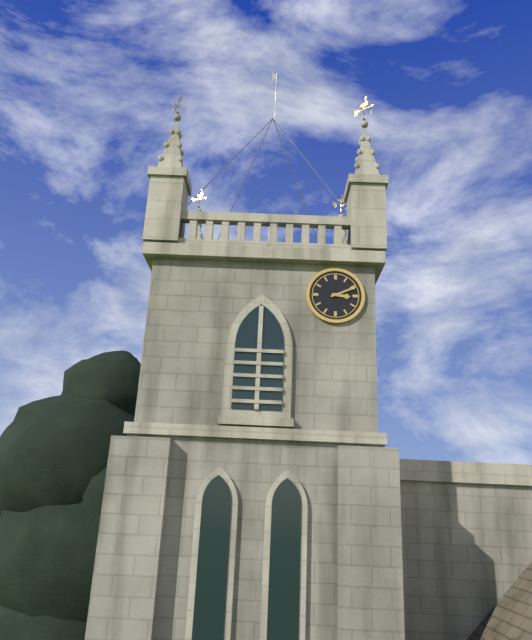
{"hour": 3, "minute": 11}
